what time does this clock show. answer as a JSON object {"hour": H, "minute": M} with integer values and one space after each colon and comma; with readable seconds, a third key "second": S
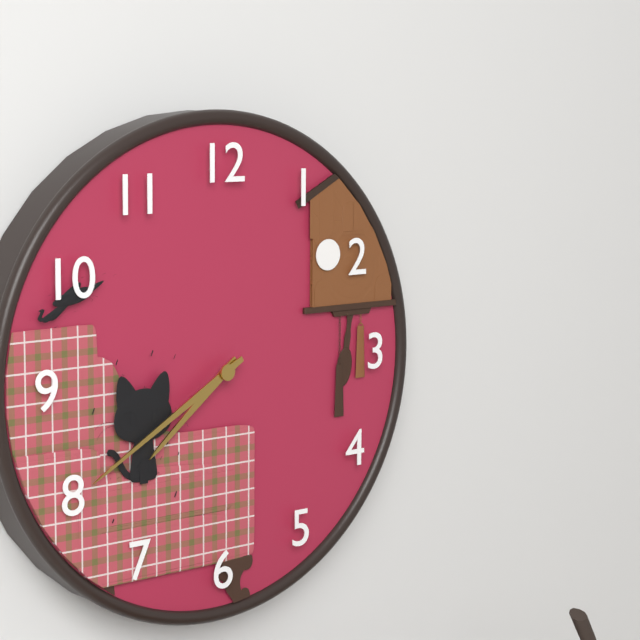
{"hour": 7, "minute": 40}
